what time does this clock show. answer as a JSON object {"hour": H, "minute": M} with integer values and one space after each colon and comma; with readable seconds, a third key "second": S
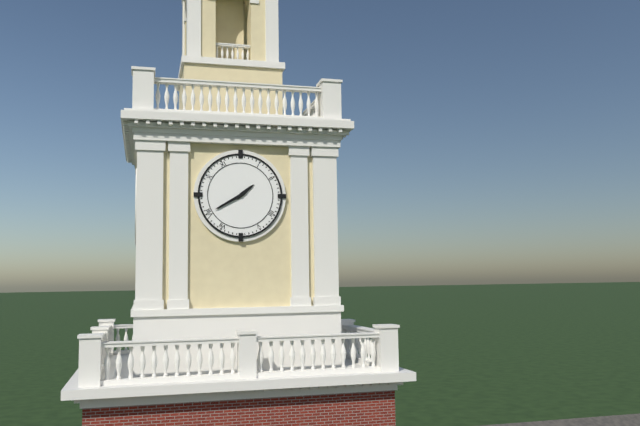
{"hour": 1, "minute": 40}
